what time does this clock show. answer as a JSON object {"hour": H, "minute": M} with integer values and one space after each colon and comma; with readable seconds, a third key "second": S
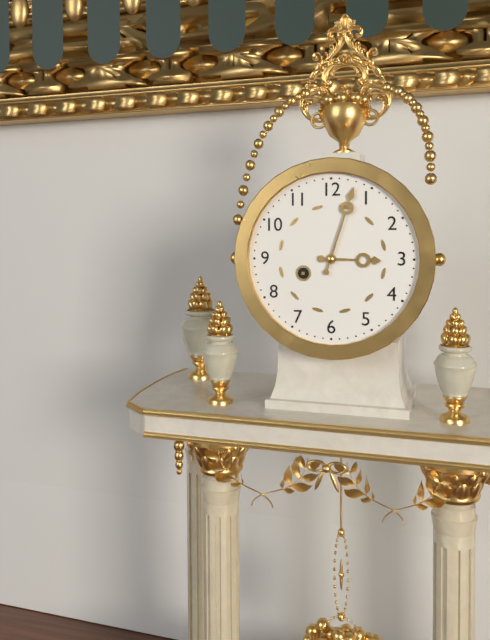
{"hour": 3, "minute": 3}
